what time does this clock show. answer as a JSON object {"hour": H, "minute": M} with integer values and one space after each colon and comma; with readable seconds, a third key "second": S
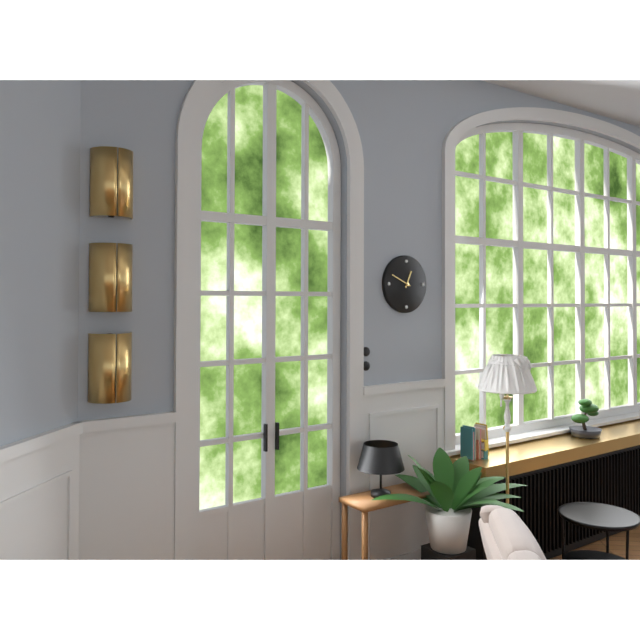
{"hour": 12, "minute": 49}
